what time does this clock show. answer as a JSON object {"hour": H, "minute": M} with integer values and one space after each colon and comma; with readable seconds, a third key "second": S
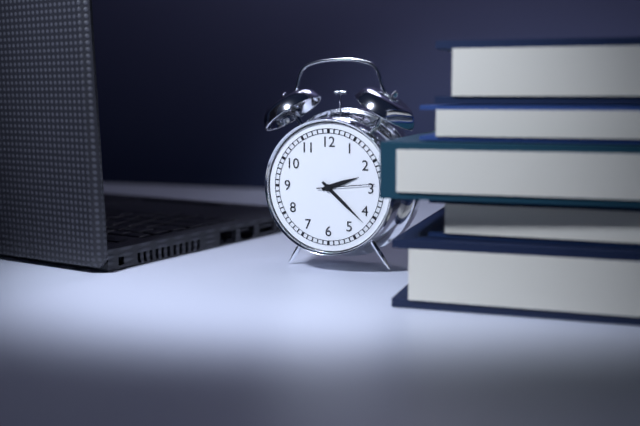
{"hour": 2, "minute": 22, "second": 14}
